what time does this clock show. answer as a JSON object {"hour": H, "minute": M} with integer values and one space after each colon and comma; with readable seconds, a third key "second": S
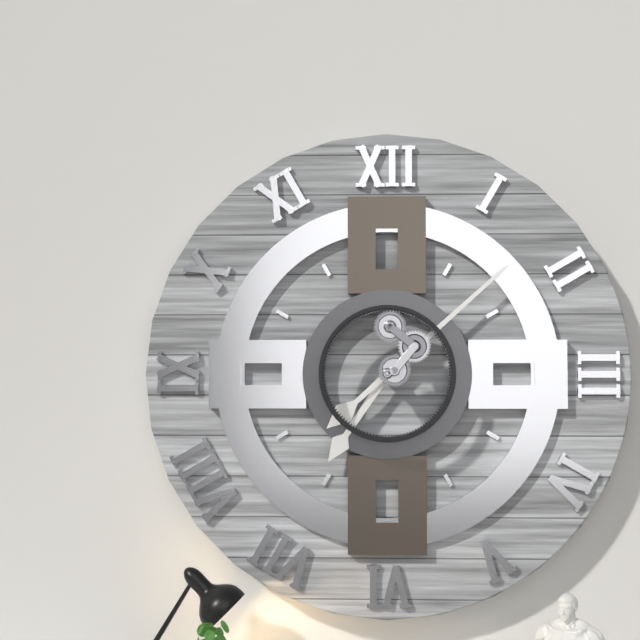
{"hour": 7, "minute": 8}
